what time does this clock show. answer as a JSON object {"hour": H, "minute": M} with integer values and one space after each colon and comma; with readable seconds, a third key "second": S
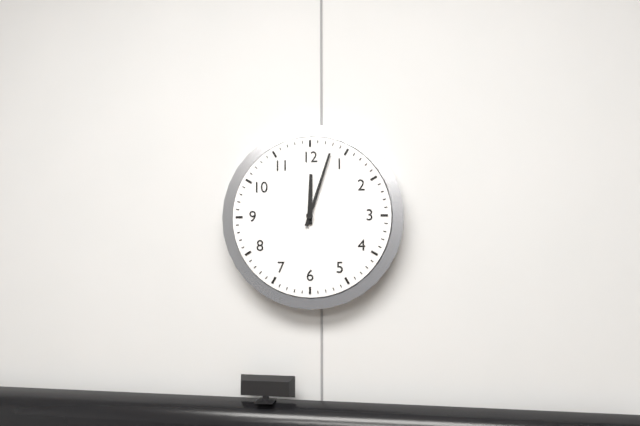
{"hour": 12, "minute": 3}
